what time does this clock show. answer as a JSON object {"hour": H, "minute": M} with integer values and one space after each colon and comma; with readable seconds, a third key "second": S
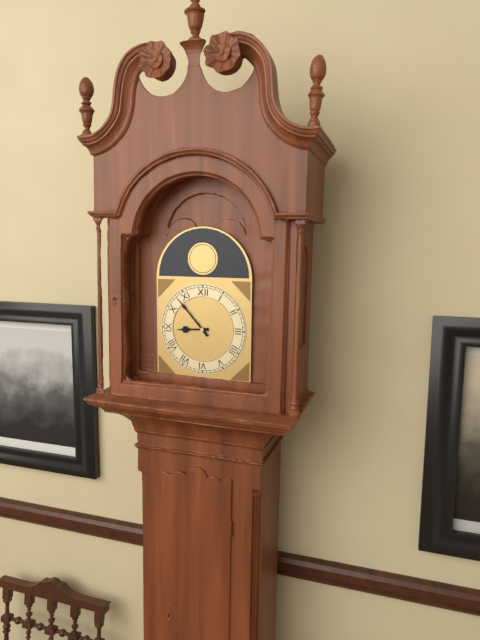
{"hour": 8, "minute": 53}
